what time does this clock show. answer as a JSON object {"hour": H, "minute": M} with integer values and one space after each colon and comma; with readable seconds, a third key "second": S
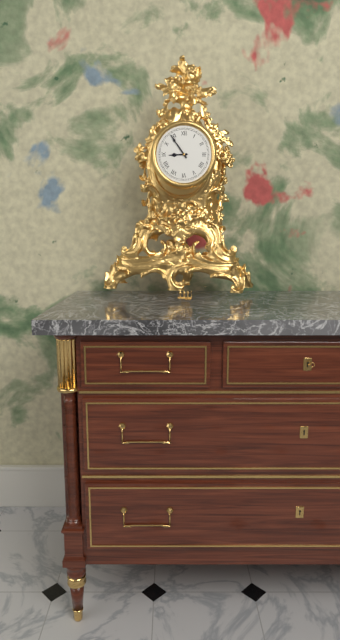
{"hour": 8, "minute": 54}
